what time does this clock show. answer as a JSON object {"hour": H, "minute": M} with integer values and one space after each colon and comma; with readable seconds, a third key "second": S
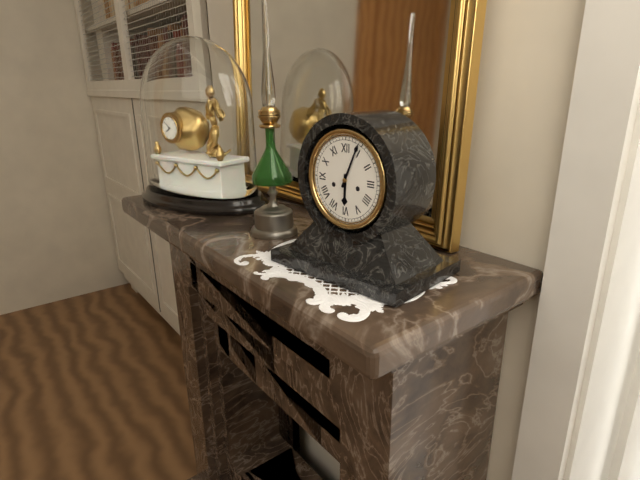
{"hour": 6, "minute": 4}
